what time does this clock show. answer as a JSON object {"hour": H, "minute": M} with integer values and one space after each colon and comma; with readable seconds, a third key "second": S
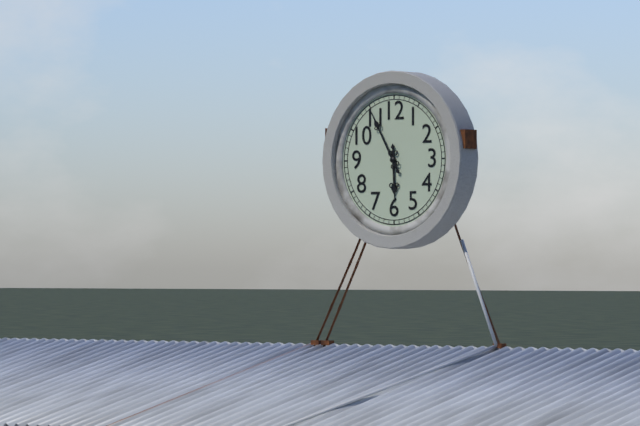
{"hour": 5, "minute": 55}
